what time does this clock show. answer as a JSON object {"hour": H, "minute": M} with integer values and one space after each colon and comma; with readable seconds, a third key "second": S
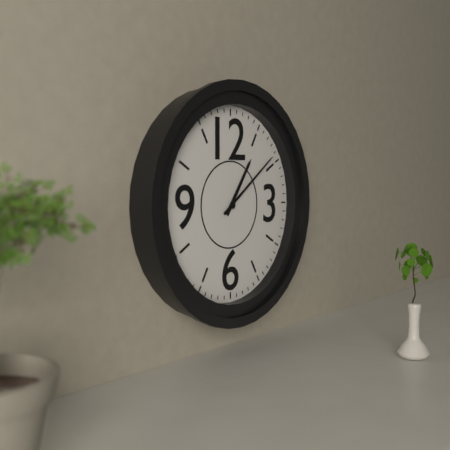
{"hour": 1, "minute": 9}
